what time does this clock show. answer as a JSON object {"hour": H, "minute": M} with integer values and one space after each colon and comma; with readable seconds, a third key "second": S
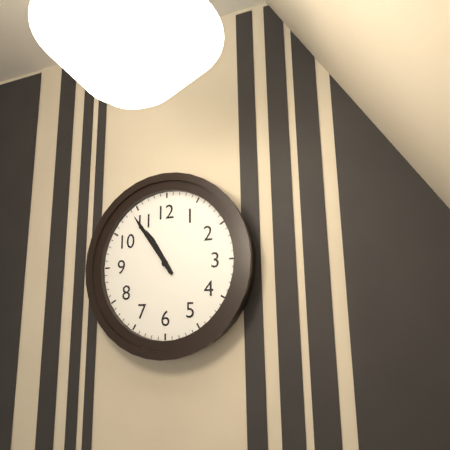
{"hour": 10, "minute": 54}
